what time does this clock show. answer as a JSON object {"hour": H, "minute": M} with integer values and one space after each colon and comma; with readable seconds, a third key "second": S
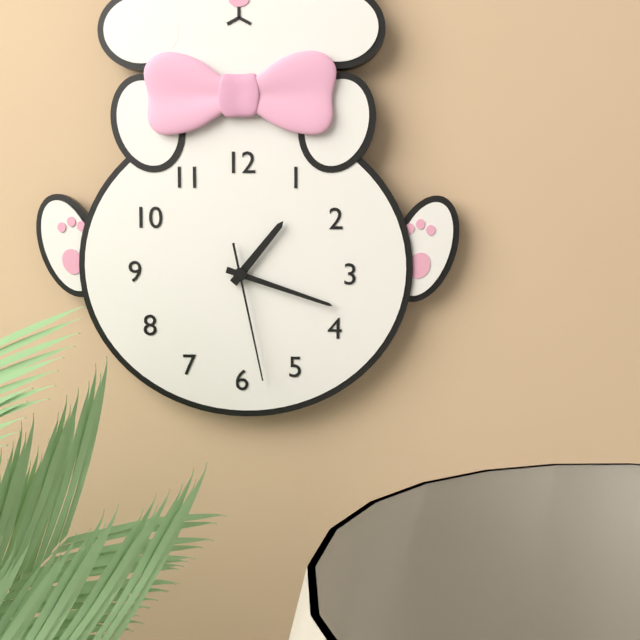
{"hour": 1, "minute": 18, "second": 28}
